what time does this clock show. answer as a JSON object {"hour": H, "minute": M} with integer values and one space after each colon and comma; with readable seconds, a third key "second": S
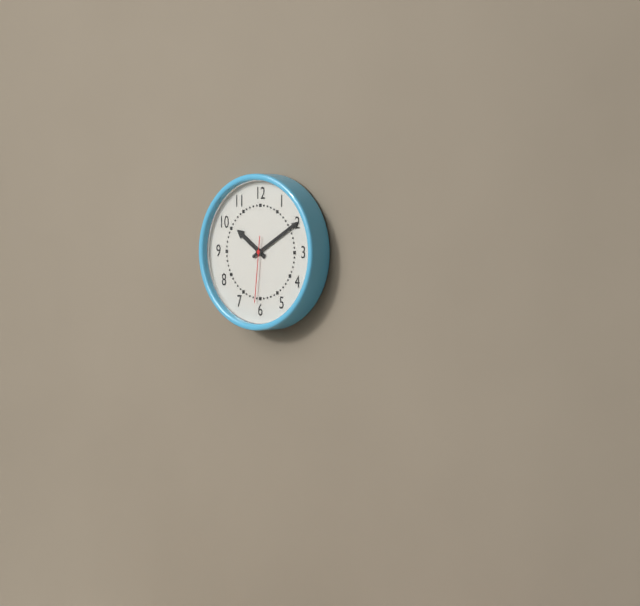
{"hour": 10, "minute": 10, "second": 31}
